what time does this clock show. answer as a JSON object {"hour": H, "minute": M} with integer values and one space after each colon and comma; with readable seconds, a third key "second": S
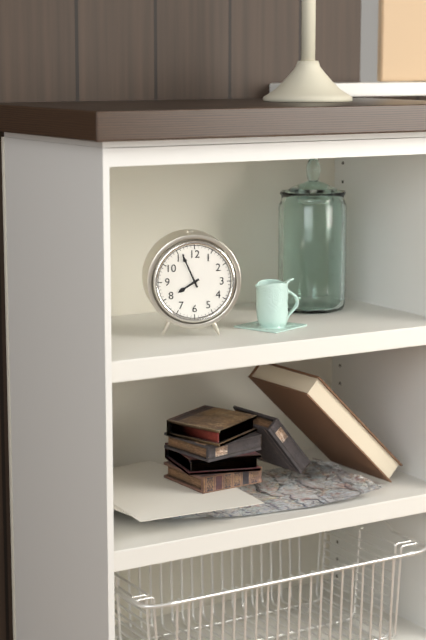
{"hour": 7, "minute": 56}
